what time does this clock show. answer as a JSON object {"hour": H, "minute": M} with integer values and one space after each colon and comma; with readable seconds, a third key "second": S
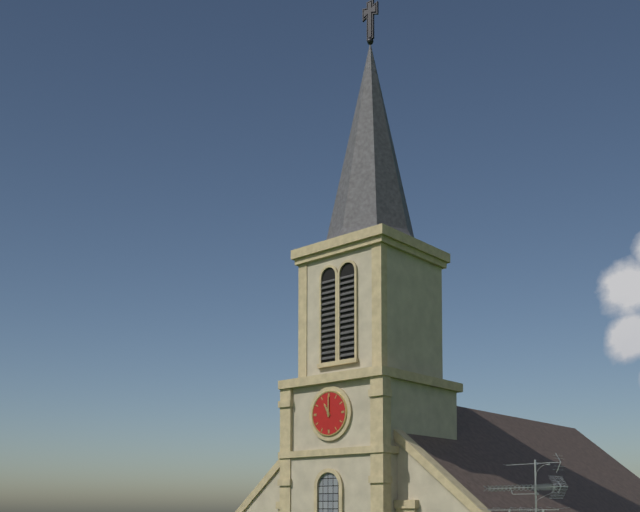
{"hour": 11, "minute": 0}
